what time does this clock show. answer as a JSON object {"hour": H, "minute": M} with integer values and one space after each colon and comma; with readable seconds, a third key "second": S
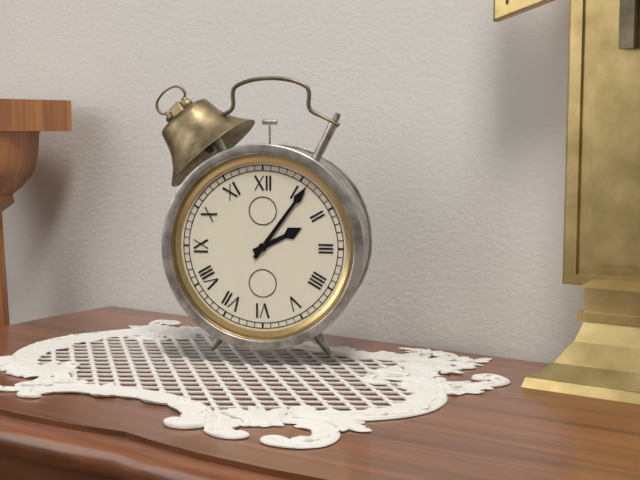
{"hour": 2, "minute": 6}
